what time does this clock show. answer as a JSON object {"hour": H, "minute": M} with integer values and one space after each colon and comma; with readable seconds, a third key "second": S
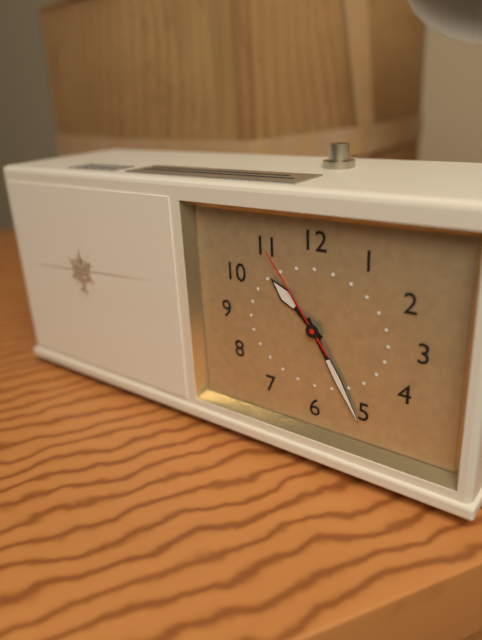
{"hour": 10, "minute": 25, "second": 54}
